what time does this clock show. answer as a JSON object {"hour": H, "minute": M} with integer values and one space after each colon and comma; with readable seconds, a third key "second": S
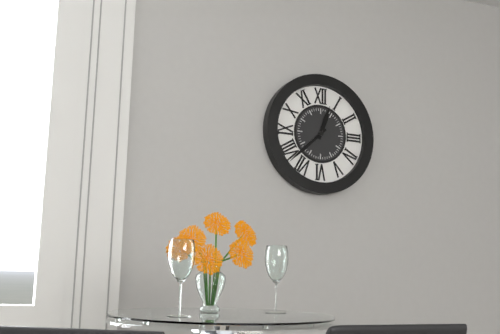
{"hour": 12, "minute": 38}
